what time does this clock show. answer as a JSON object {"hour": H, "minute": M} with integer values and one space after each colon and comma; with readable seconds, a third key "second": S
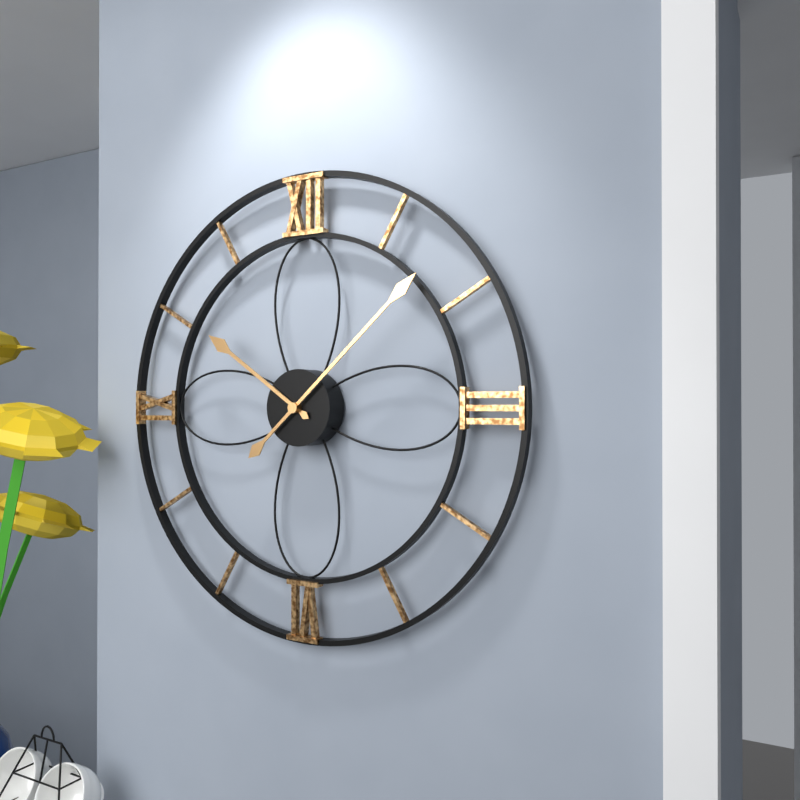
{"hour": 10, "minute": 8}
